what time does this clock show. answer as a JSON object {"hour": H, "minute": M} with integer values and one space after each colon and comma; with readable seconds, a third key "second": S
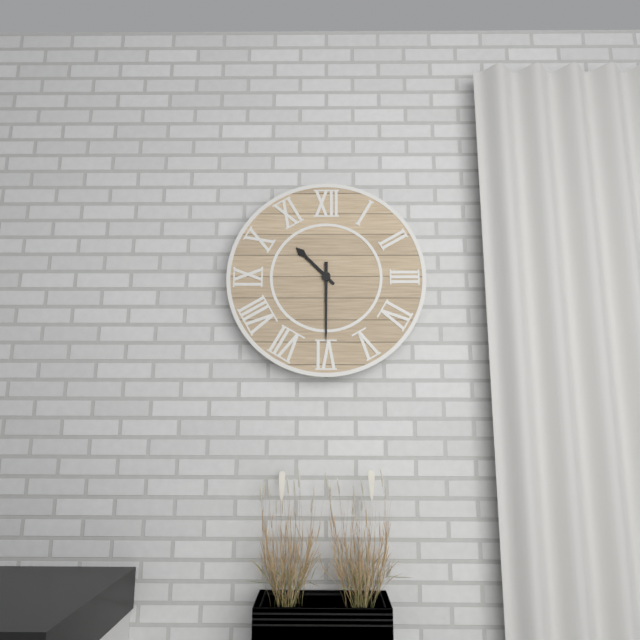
{"hour": 10, "minute": 30}
